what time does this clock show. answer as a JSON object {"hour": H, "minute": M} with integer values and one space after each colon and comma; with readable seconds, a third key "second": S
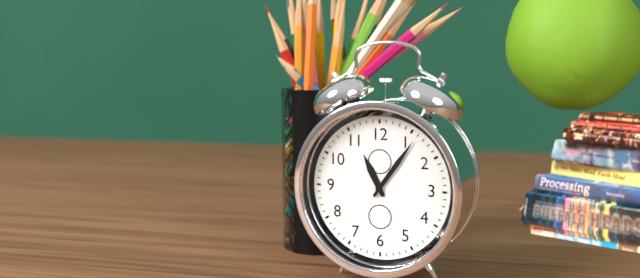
{"hour": 11, "minute": 6}
